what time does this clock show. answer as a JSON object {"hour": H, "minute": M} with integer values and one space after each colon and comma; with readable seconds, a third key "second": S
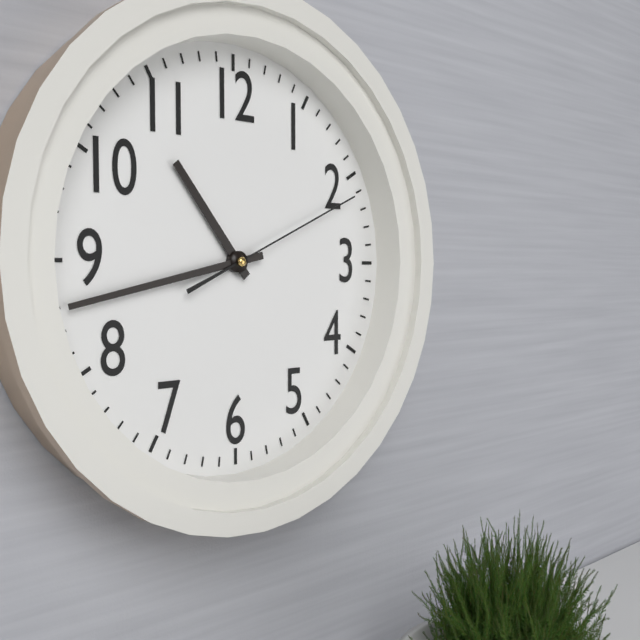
{"hour": 10, "minute": 43, "second": 11}
